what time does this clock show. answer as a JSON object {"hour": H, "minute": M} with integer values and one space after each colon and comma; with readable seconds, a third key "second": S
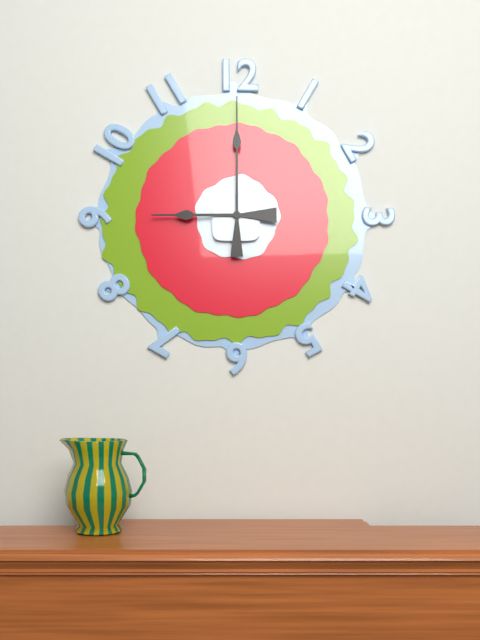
{"hour": 9, "minute": 0}
